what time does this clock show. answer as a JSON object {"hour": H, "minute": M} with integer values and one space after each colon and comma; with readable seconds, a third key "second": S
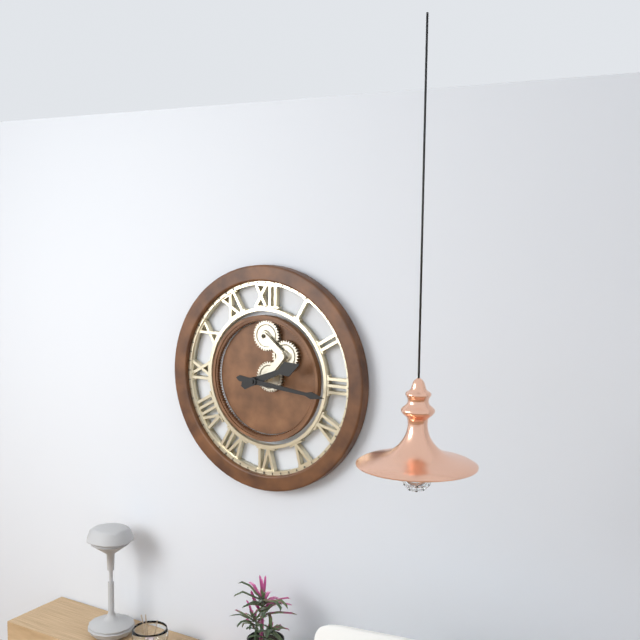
{"hour": 2, "minute": 16}
